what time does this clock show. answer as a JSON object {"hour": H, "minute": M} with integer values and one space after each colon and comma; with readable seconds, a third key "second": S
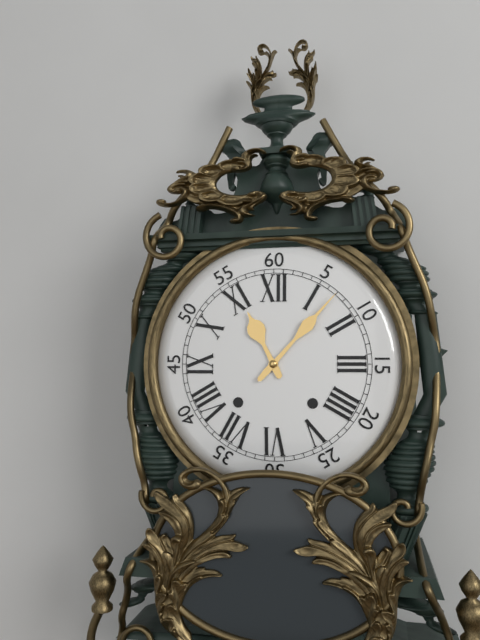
{"hour": 11, "minute": 7}
